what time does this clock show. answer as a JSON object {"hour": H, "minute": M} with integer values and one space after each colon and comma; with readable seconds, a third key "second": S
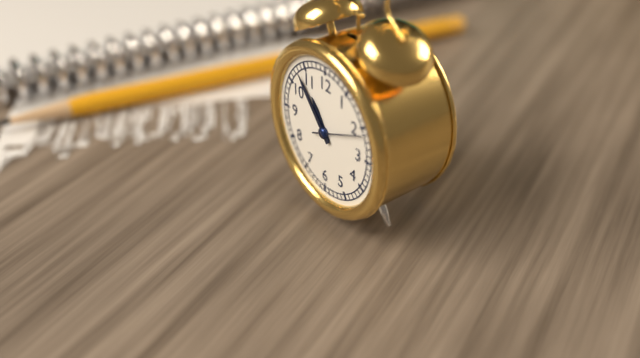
{"hour": 10, "minute": 53}
